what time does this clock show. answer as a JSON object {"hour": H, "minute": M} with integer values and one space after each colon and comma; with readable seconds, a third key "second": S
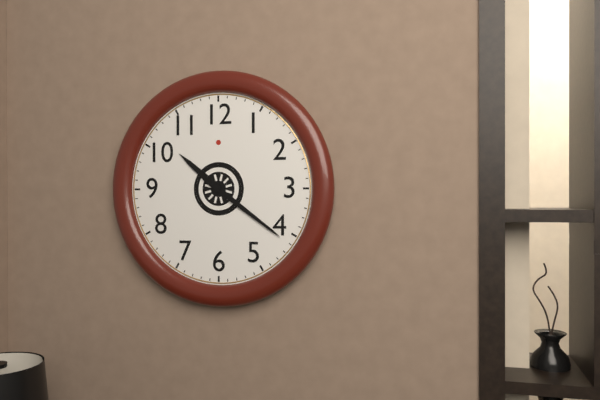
{"hour": 10, "minute": 21}
